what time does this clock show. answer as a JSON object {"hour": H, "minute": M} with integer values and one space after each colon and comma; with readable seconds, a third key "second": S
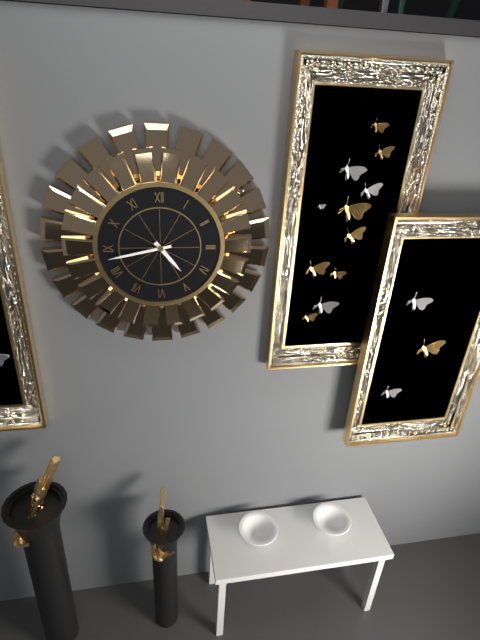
{"hour": 4, "minute": 43}
